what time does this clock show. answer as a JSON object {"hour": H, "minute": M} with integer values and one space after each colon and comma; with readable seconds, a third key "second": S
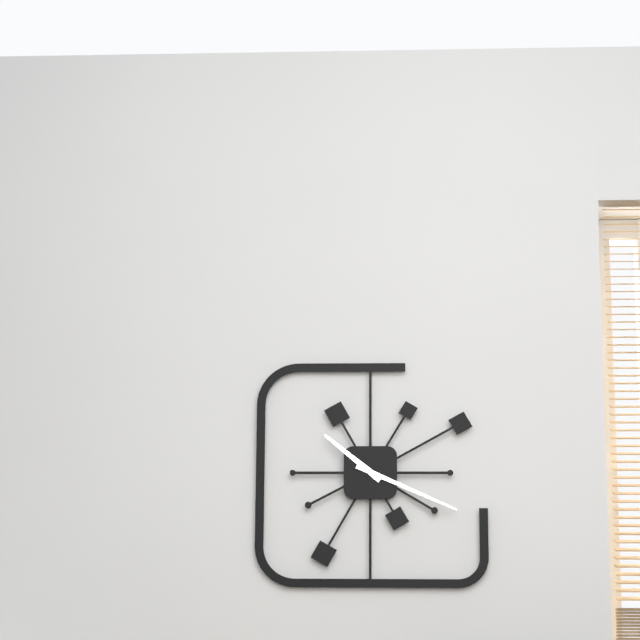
{"hour": 10, "minute": 19}
